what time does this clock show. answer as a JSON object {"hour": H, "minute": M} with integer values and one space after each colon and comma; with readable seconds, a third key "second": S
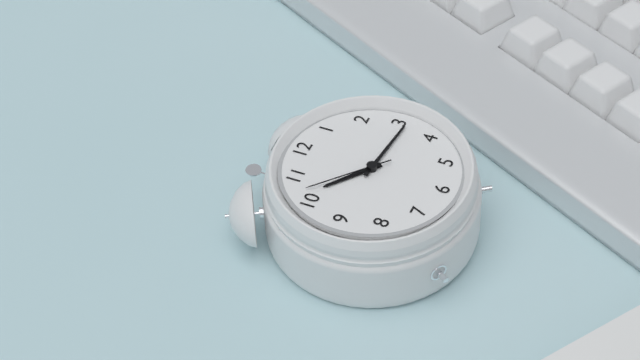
{"hour": 10, "minute": 16, "second": 52}
